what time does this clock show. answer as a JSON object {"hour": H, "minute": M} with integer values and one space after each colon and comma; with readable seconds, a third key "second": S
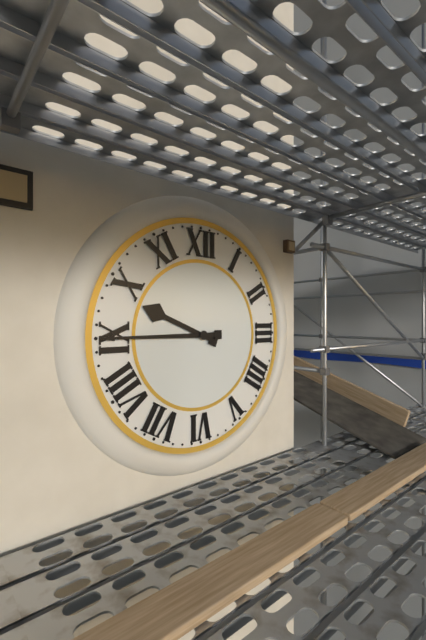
{"hour": 9, "minute": 45}
